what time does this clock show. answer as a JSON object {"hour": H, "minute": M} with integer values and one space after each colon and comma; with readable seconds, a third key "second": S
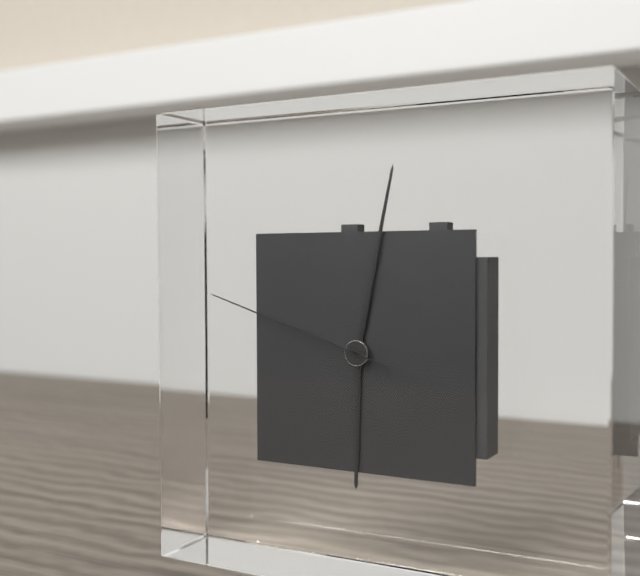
{"hour": 6, "minute": 2, "second": 48}
